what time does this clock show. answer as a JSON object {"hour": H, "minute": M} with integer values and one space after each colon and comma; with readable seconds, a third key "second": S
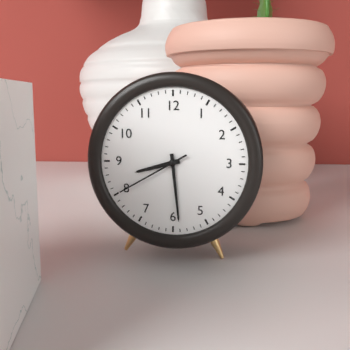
{"hour": 8, "minute": 29, "second": 40}
